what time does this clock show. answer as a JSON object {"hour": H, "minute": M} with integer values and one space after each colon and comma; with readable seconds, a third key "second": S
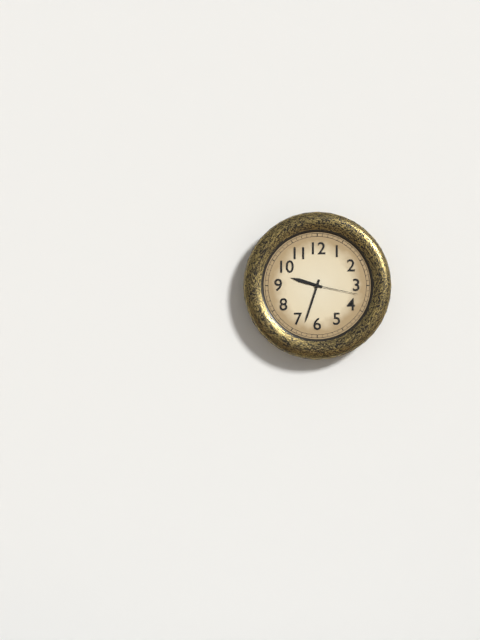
{"hour": 9, "minute": 33, "second": 17}
